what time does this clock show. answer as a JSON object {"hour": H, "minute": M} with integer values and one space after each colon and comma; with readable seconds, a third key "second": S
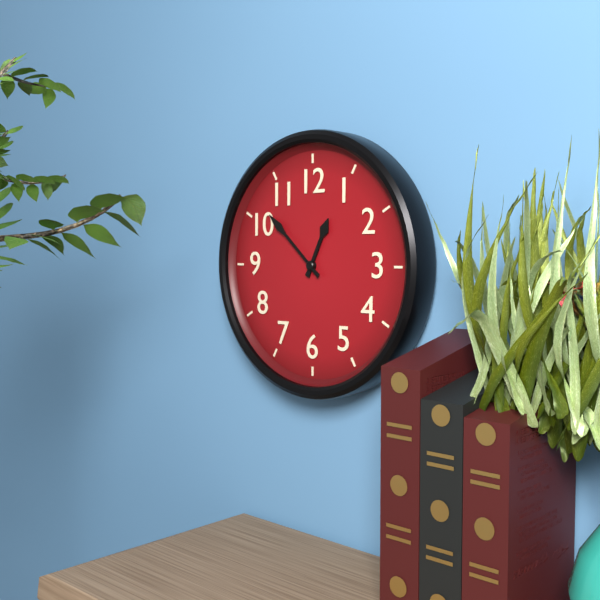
{"hour": 12, "minute": 52}
